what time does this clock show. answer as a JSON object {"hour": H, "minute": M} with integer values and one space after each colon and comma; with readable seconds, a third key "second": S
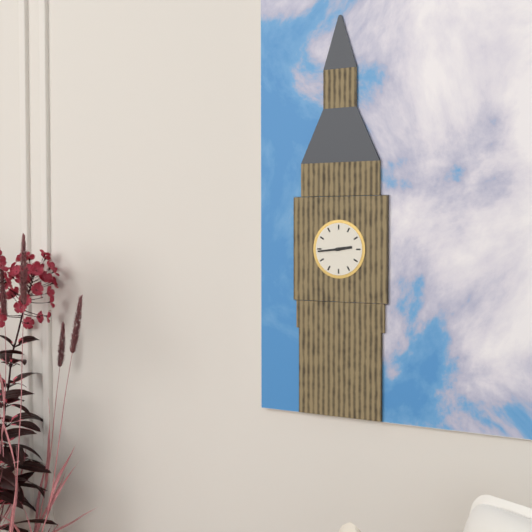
{"hour": 2, "minute": 44}
